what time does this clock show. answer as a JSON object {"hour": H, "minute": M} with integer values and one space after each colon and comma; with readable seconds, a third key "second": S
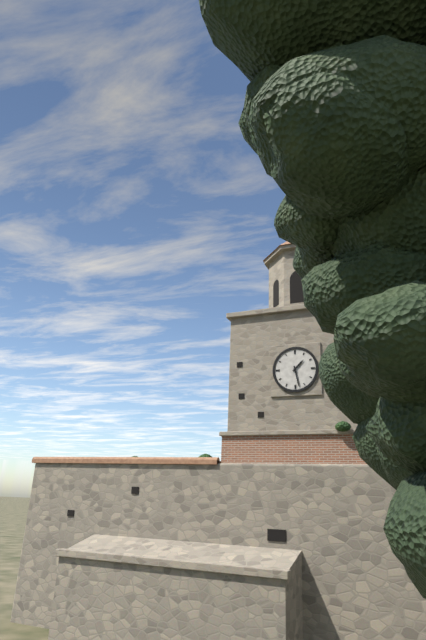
{"hour": 1, "minute": 28}
